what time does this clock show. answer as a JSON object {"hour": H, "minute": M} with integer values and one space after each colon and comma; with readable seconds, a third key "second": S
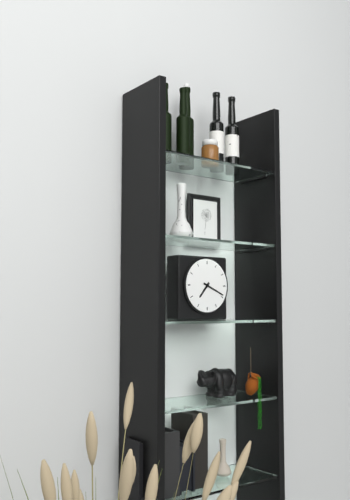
{"hour": 7, "minute": 19}
